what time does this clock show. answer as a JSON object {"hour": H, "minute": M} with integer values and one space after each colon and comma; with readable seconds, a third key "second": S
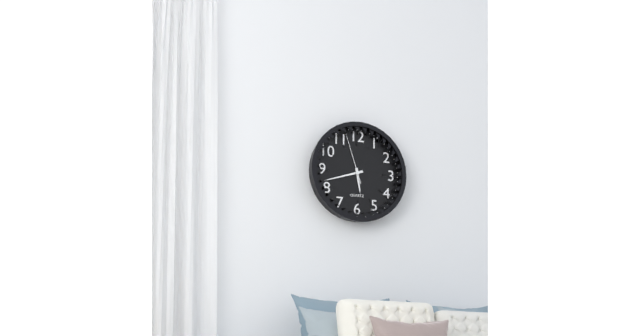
{"hour": 5, "minute": 42, "second": 57}
